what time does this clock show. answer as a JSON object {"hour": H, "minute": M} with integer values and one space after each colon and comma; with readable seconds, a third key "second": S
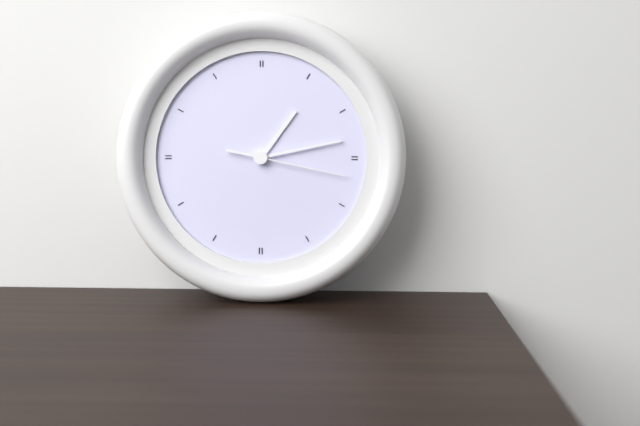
{"hour": 1, "minute": 13, "second": 17}
